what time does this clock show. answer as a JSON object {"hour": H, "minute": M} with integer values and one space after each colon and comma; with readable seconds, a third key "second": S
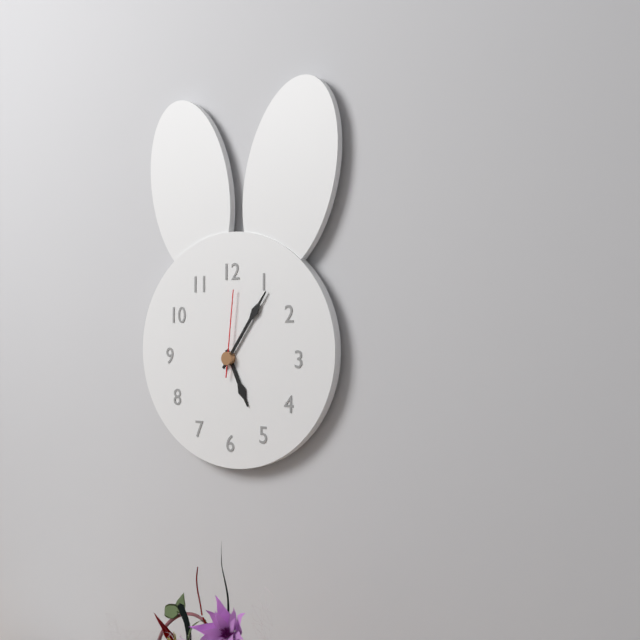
{"hour": 5, "minute": 6, "second": 1}
